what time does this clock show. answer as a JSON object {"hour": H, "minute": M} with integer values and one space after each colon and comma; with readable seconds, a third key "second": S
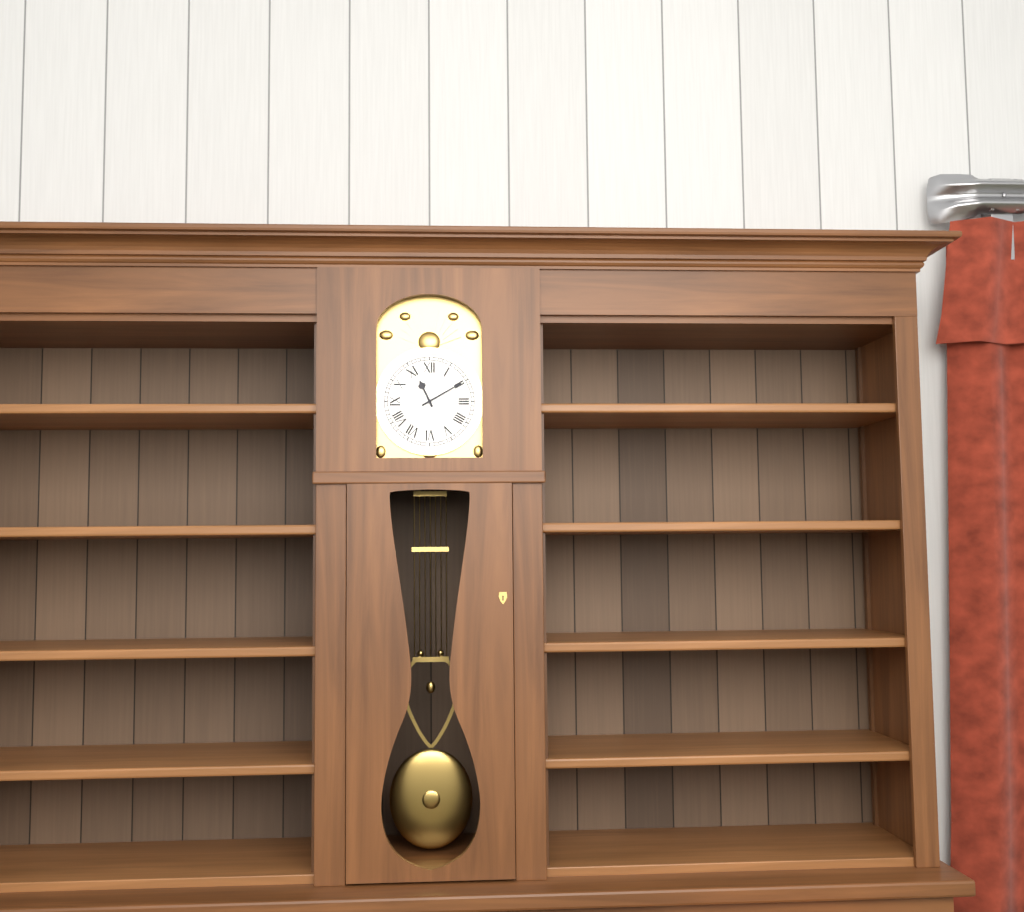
{"hour": 11, "minute": 10}
